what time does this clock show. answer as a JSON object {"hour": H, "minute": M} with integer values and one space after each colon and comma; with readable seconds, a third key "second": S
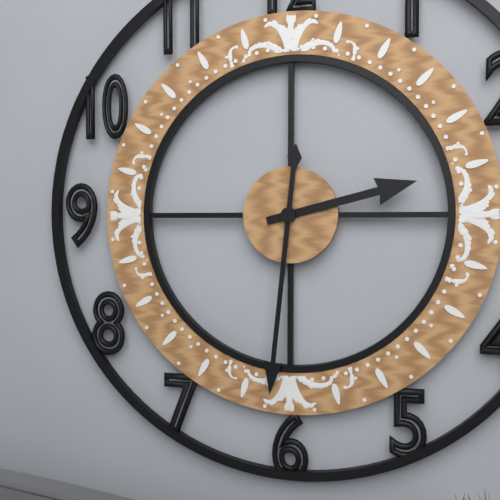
{"hour": 2, "minute": 31}
